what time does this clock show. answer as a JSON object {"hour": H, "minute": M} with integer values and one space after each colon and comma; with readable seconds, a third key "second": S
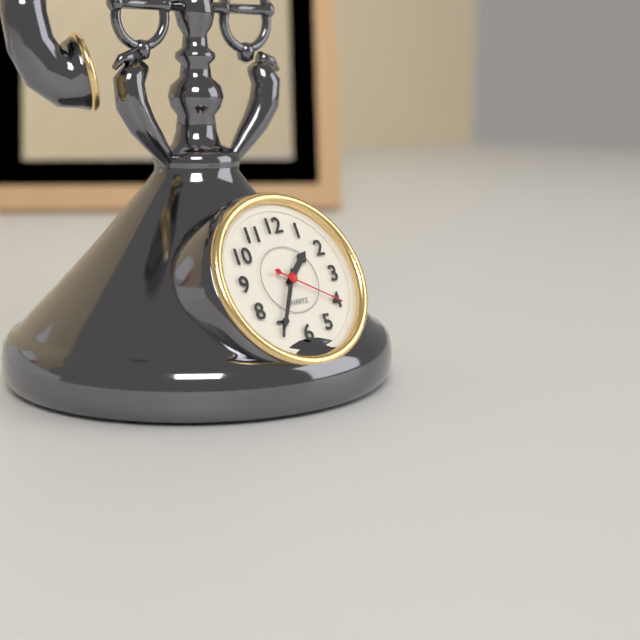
{"hour": 1, "minute": 35, "second": 20}
